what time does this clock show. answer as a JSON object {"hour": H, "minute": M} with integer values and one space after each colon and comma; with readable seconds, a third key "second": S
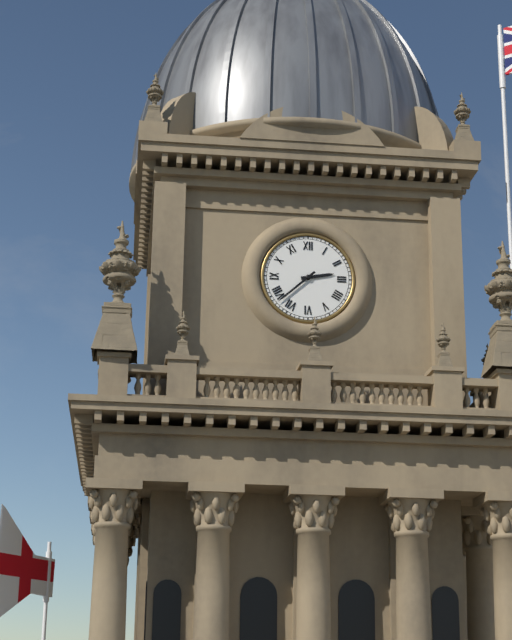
{"hour": 2, "minute": 38}
